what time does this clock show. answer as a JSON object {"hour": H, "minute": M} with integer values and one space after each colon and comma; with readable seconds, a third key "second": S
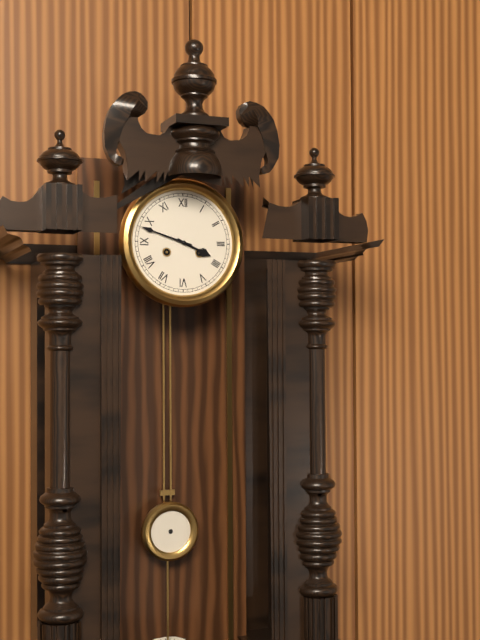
{"hour": 3, "minute": 48}
